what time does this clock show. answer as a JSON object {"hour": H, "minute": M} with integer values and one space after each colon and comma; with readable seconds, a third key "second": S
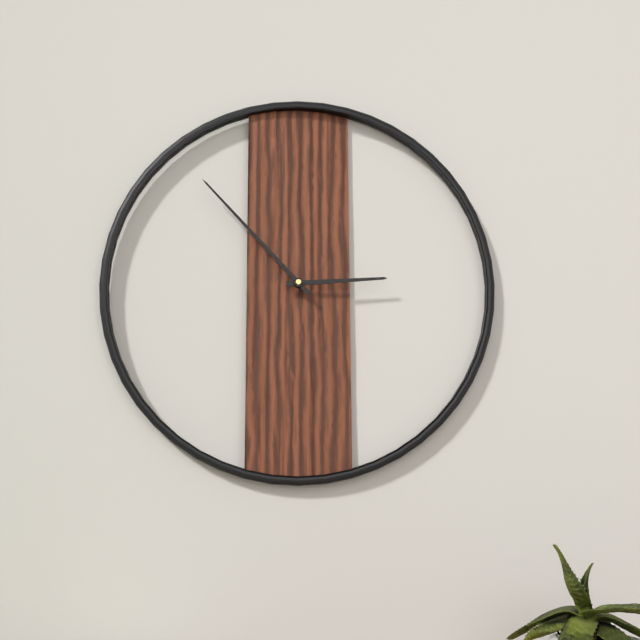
{"hour": 2, "minute": 53}
